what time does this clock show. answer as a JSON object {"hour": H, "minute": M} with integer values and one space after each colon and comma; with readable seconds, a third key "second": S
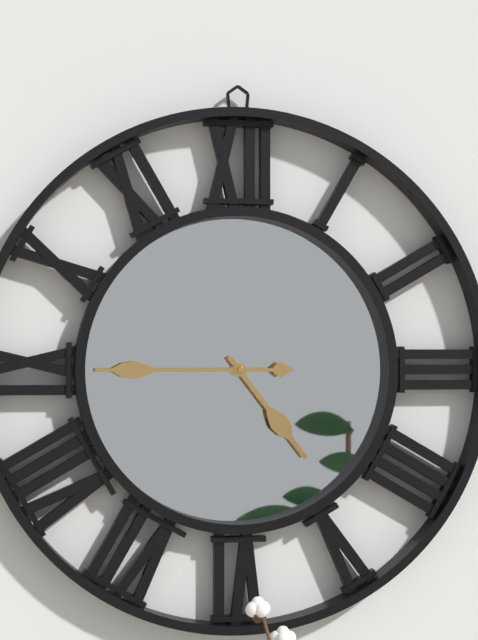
{"hour": 4, "minute": 45}
